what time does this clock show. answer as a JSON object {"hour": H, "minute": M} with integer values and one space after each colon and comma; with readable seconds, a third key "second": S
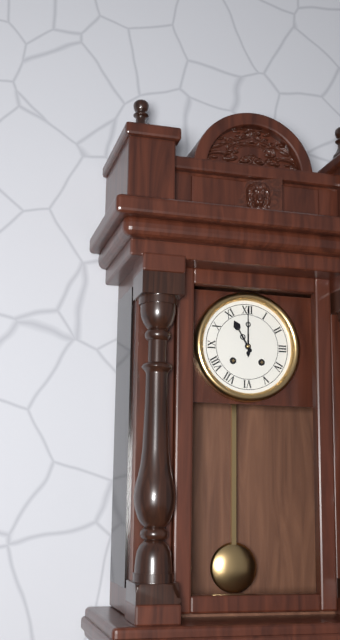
{"hour": 11, "minute": 0}
